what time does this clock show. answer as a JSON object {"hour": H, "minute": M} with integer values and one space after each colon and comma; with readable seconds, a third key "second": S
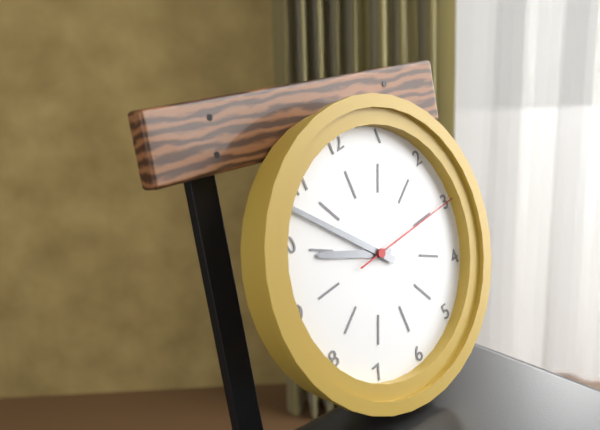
{"hour": 9, "minute": 53, "second": 15}
